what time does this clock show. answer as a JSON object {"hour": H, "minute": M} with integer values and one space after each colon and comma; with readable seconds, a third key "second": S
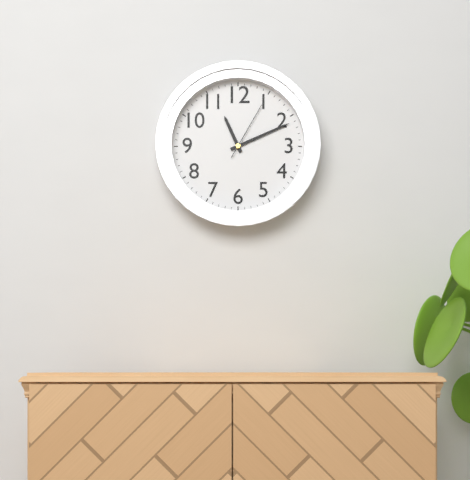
{"hour": 11, "minute": 11, "second": 5}
